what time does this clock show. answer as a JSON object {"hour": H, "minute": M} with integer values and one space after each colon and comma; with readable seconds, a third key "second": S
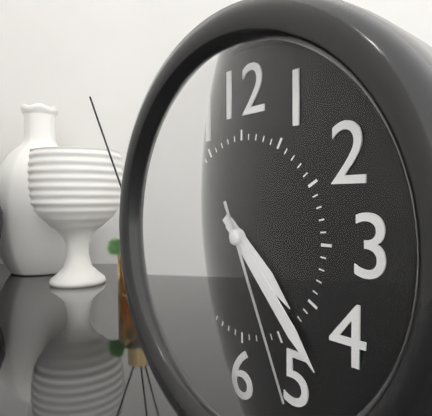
{"hour": 4, "minute": 23, "second": 26}
